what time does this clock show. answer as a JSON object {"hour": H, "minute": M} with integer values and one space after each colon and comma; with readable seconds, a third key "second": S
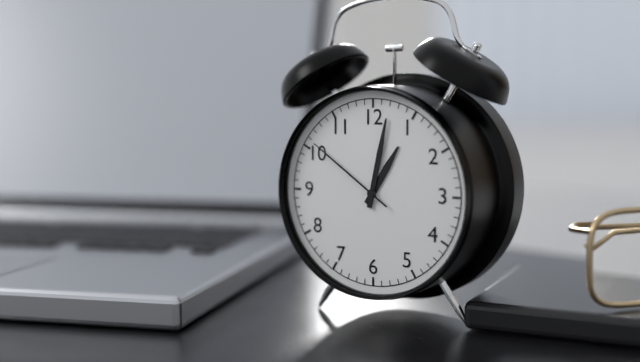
{"hour": 1, "minute": 2, "second": 51}
